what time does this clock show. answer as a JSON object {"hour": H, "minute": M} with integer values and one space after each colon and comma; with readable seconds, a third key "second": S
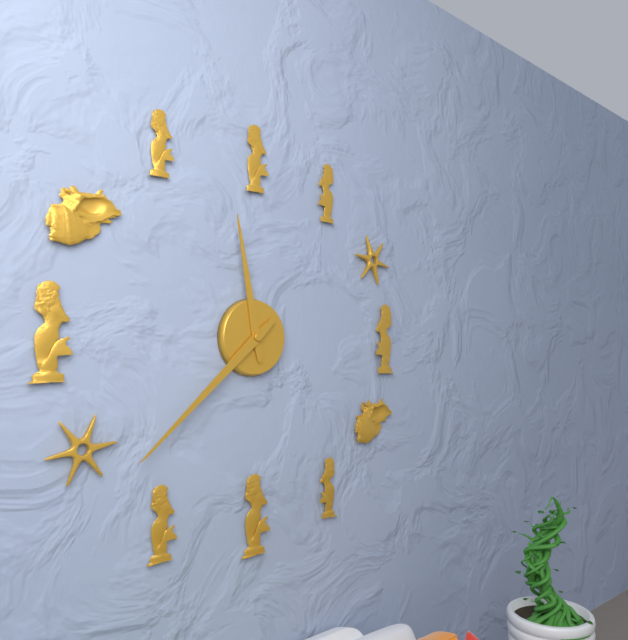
{"hour": 11, "minute": 38}
